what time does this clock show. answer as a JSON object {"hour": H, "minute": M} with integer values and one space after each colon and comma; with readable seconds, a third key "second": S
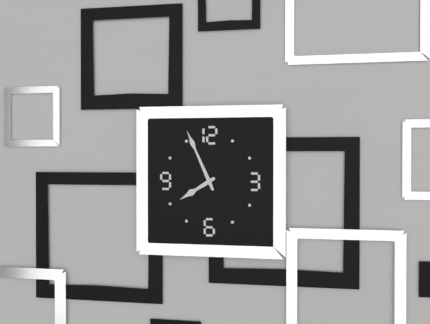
{"hour": 7, "minute": 56}
